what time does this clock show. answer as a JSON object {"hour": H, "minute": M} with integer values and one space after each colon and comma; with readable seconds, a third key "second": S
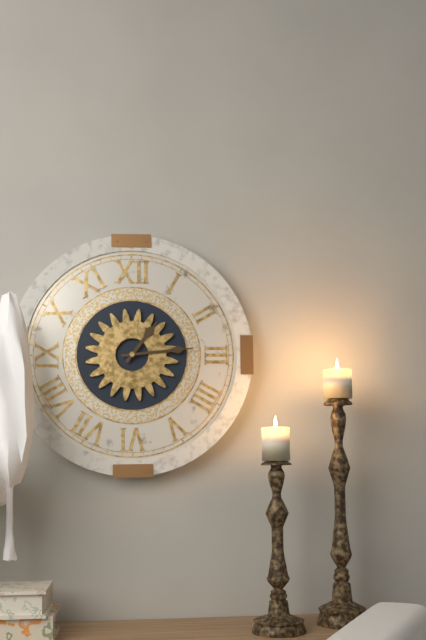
{"hour": 1, "minute": 14}
